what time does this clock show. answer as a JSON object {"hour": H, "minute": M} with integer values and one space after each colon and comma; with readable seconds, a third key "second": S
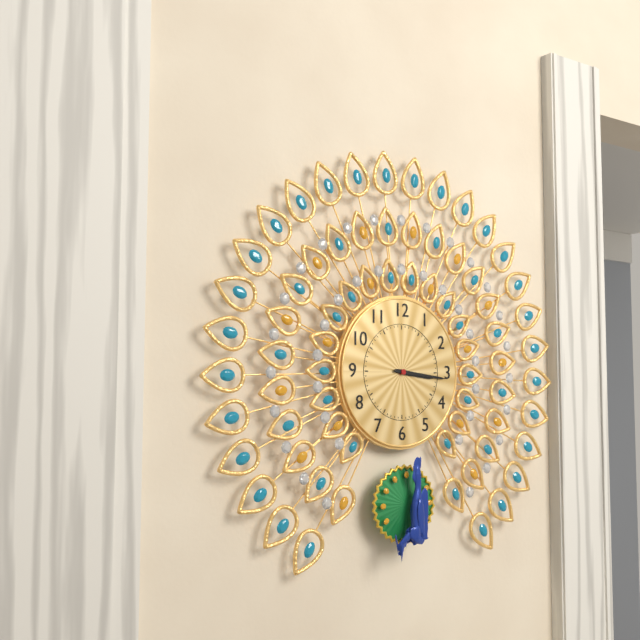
{"hour": 3, "minute": 16}
